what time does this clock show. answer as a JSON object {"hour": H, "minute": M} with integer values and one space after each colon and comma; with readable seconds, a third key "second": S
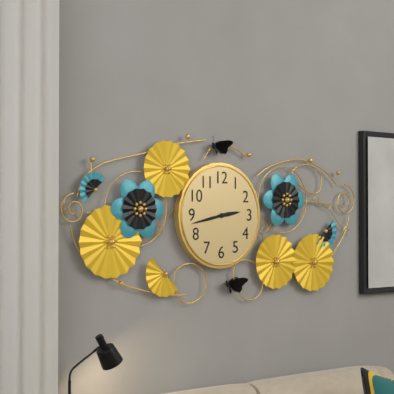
{"hour": 2, "minute": 43}
